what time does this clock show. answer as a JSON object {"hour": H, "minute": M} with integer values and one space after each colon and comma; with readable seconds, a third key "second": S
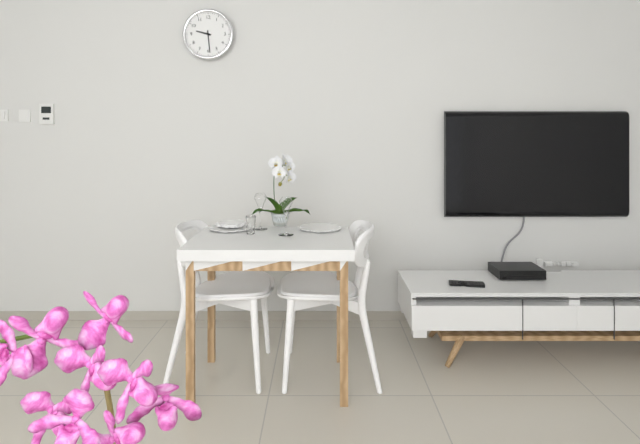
{"hour": 9, "minute": 29}
